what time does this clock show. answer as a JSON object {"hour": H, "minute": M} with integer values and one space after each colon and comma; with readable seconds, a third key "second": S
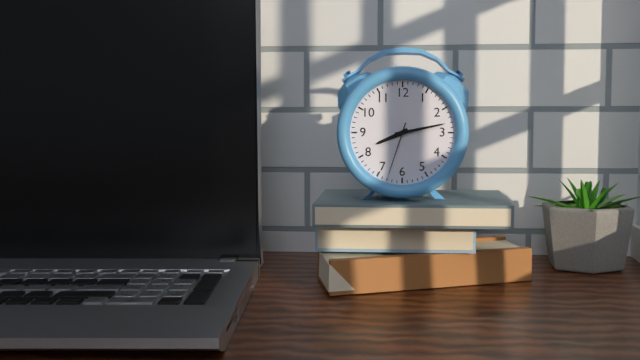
{"hour": 8, "minute": 13, "second": 33}
